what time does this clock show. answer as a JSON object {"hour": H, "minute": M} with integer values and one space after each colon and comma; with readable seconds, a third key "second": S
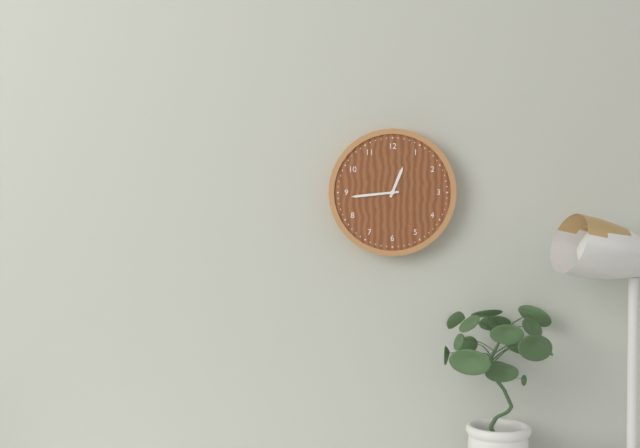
{"hour": 12, "minute": 44}
